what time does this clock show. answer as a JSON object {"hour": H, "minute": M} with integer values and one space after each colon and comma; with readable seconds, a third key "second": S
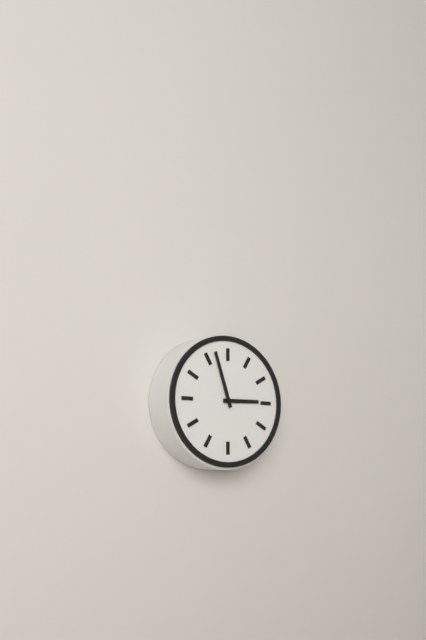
{"hour": 2, "minute": 57}
